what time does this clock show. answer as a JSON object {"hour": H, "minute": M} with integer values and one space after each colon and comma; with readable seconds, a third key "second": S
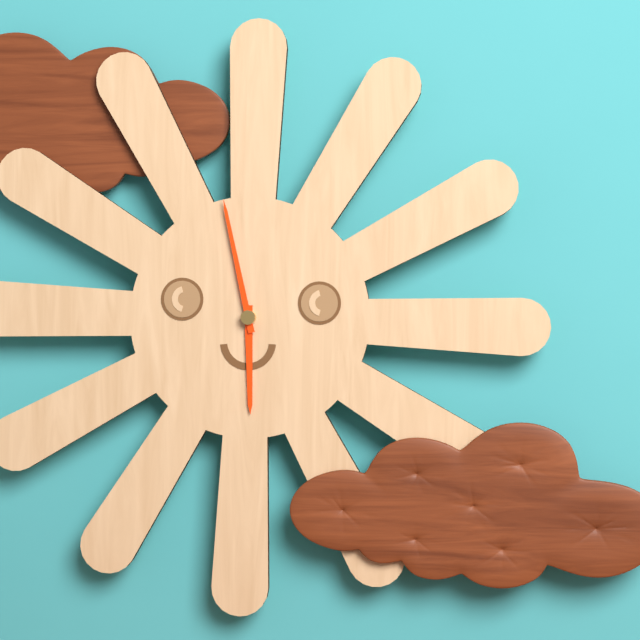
{"hour": 5, "minute": 58}
